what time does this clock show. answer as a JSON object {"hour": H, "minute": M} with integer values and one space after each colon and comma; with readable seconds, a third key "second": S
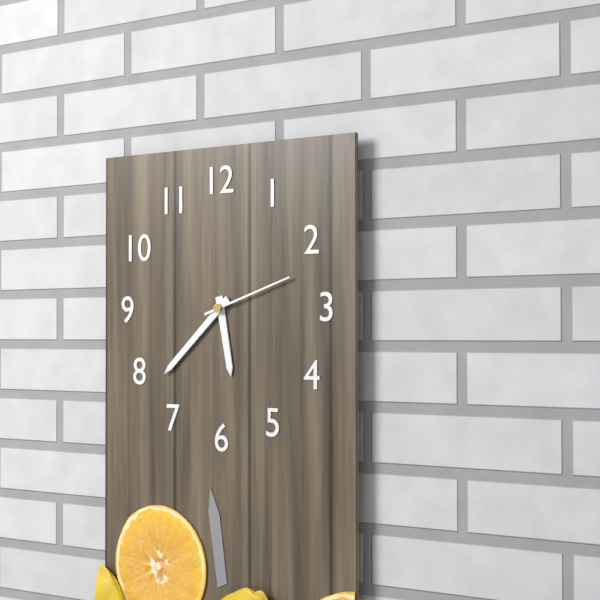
{"hour": 5, "minute": 38, "second": 12}
